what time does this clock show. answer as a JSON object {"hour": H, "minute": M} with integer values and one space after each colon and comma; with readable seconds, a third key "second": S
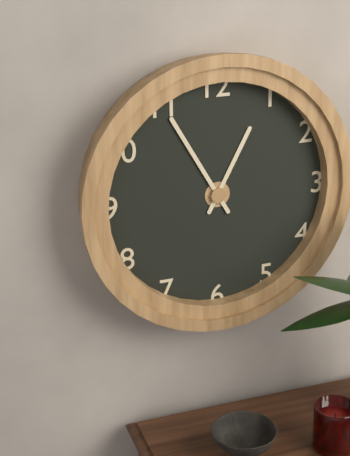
{"hour": 12, "minute": 55}
